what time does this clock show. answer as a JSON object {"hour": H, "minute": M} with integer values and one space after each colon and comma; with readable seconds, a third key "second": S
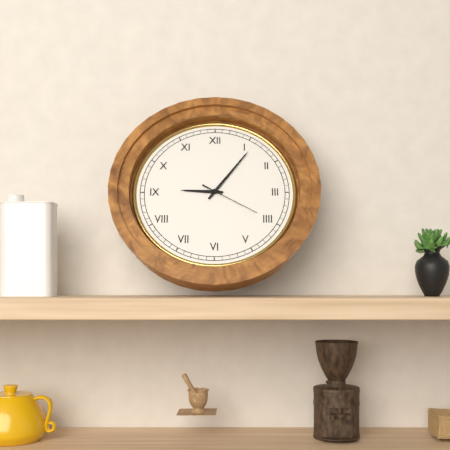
{"hour": 9, "minute": 6, "second": 20}
